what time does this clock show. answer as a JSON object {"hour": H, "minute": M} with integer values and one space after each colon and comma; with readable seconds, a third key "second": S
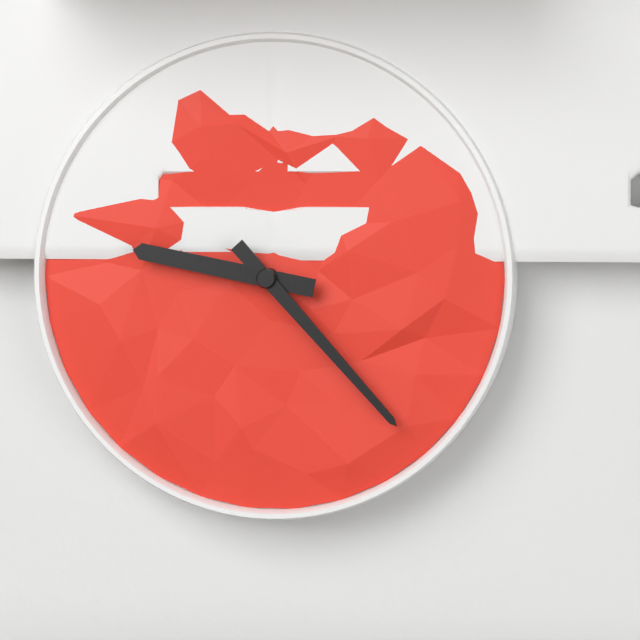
{"hour": 9, "minute": 23}
